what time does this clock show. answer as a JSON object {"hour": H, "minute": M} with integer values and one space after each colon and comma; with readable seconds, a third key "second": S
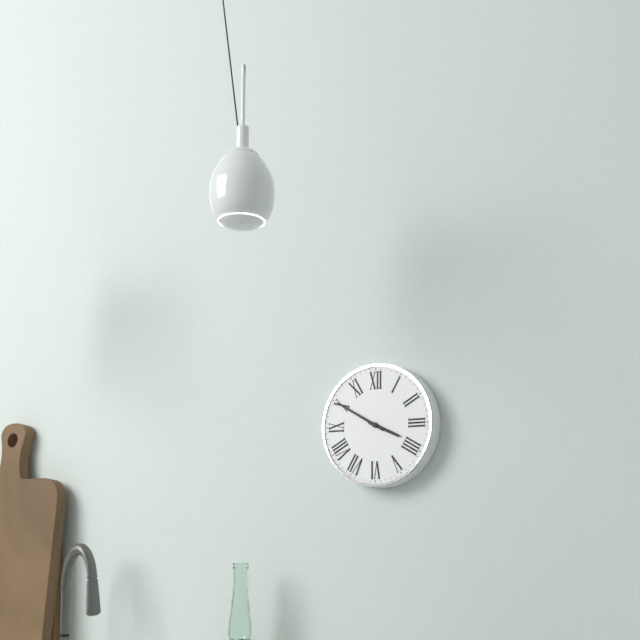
{"hour": 3, "minute": 50}
